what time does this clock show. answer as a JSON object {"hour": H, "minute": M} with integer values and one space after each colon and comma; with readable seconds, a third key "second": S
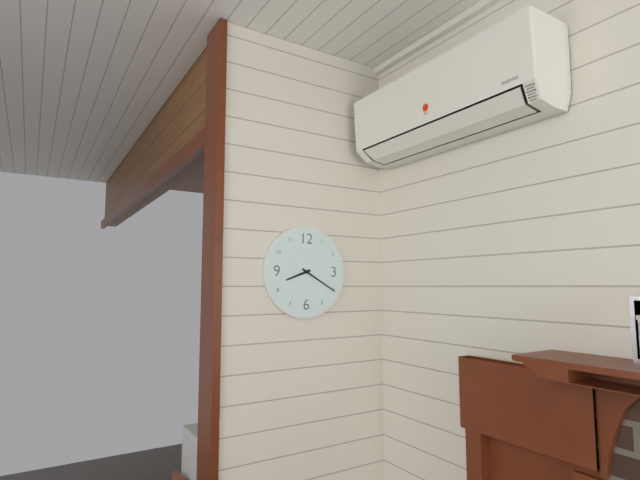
{"hour": 8, "minute": 20}
